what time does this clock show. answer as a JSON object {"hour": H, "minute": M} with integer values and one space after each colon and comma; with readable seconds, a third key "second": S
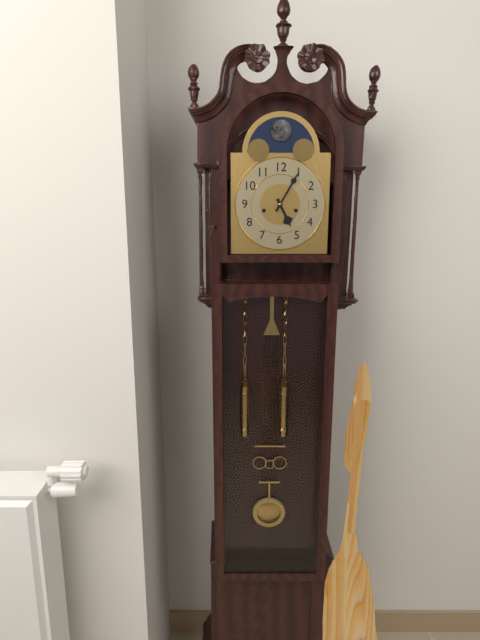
{"hour": 5, "minute": 5}
